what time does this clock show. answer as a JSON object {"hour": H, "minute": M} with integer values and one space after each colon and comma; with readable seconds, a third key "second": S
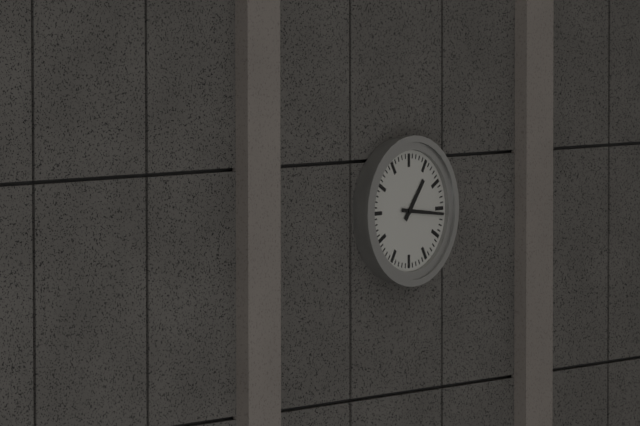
{"hour": 1, "minute": 16}
